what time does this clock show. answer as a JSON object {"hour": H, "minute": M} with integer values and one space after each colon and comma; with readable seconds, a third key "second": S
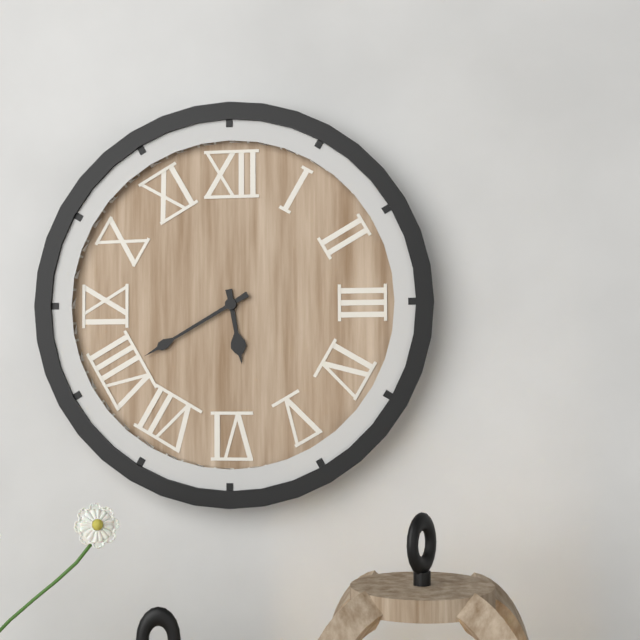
{"hour": 5, "minute": 40}
